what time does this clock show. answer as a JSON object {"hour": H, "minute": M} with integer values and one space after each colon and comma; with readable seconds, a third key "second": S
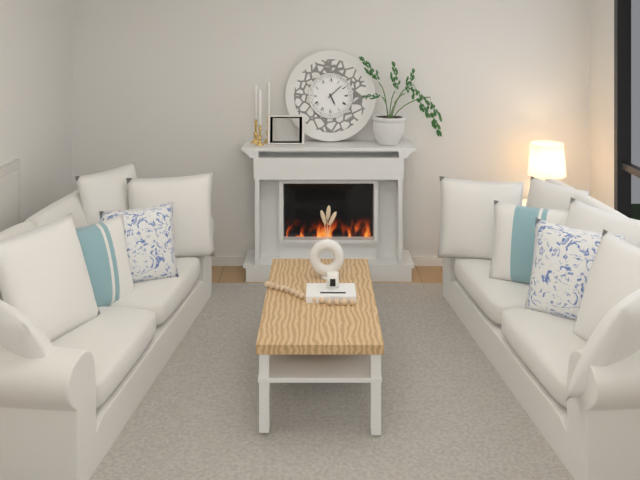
{"hour": 5, "minute": 8}
